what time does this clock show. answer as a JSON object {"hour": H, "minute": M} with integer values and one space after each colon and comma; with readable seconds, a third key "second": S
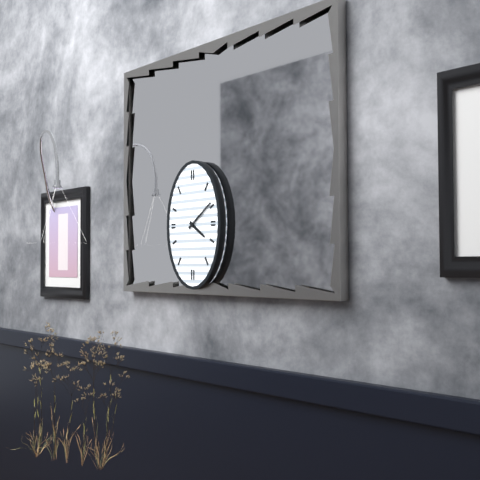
{"hour": 4, "minute": 9}
